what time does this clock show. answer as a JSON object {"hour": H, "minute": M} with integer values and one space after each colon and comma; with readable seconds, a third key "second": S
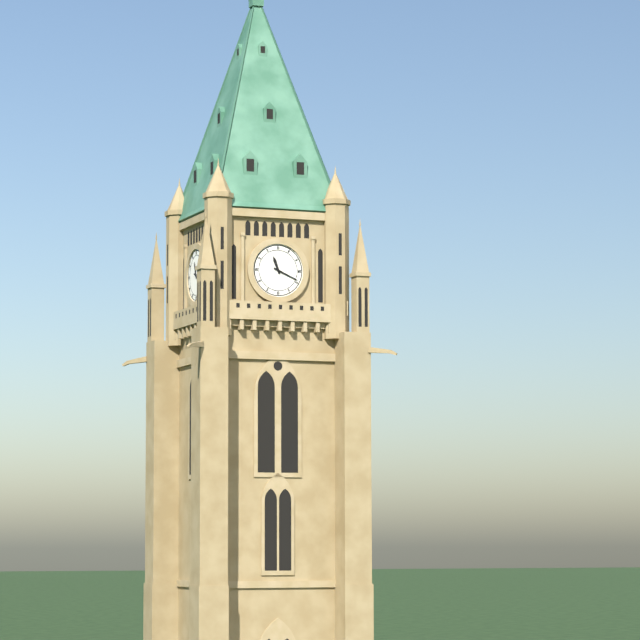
{"hour": 11, "minute": 19}
